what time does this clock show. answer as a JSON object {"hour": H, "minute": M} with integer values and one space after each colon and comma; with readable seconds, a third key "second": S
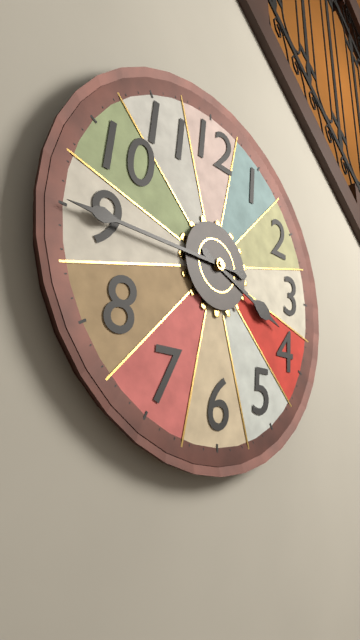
{"hour": 3, "minute": 45}
